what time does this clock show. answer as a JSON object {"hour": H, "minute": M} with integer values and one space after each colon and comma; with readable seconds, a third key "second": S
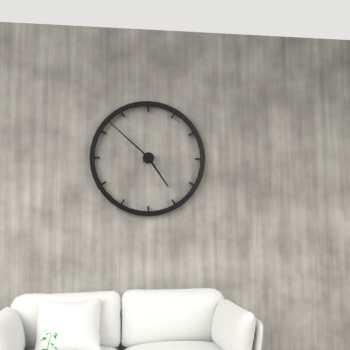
{"hour": 4, "minute": 52}
